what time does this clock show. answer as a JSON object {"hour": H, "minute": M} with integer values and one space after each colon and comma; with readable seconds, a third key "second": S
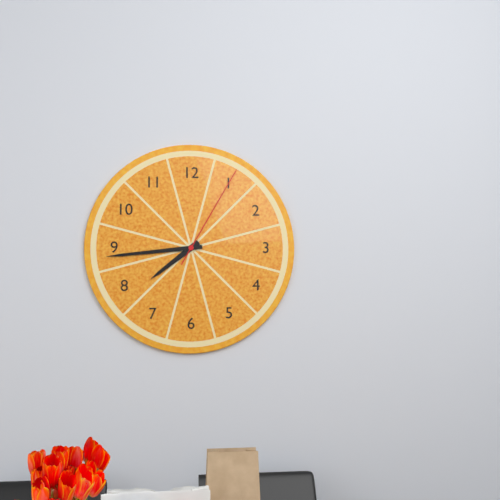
{"hour": 7, "minute": 44, "second": 5}
